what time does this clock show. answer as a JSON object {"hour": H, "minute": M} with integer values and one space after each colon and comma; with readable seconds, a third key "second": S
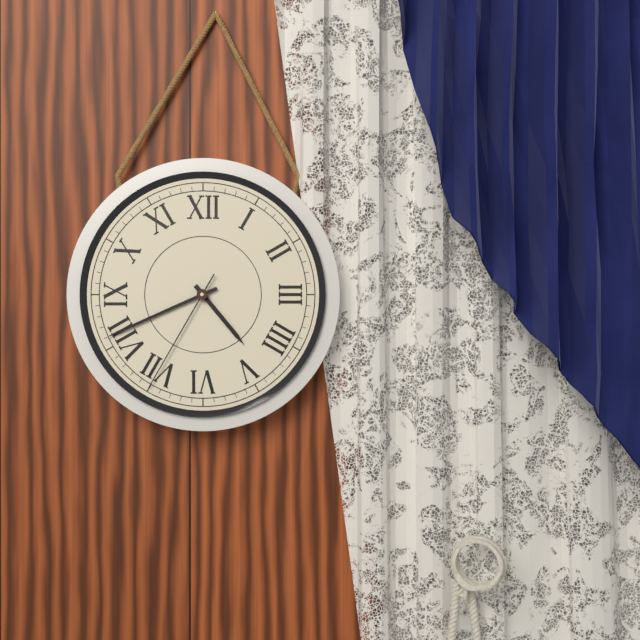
{"hour": 4, "minute": 41, "second": 35}
